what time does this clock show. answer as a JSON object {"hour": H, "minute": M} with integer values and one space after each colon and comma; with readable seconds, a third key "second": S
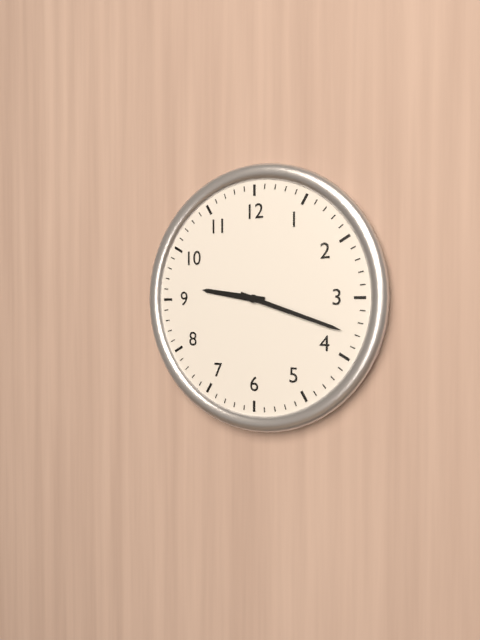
{"hour": 9, "minute": 18}
